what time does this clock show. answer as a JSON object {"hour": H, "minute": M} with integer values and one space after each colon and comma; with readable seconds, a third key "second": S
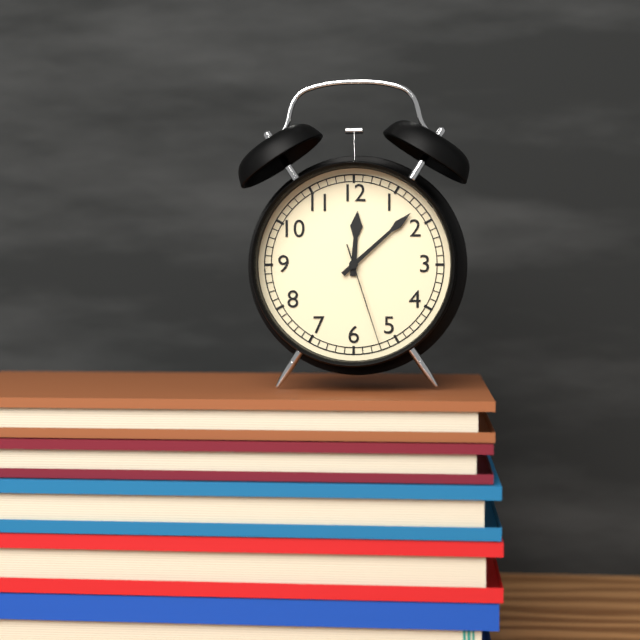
{"hour": 12, "minute": 8, "second": 27}
